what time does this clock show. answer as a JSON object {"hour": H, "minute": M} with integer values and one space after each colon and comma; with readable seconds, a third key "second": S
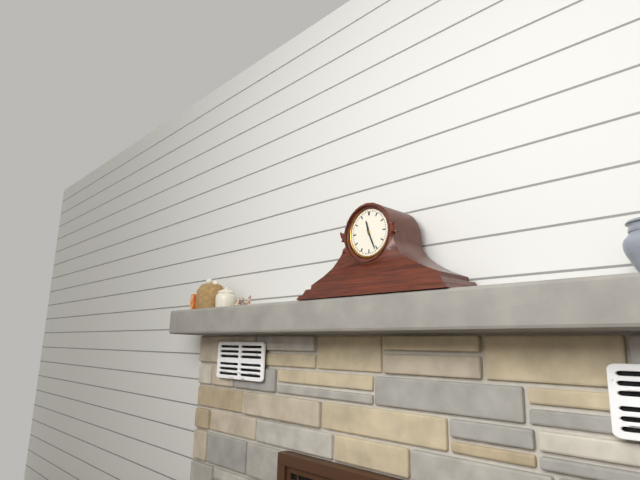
{"hour": 11, "minute": 26}
